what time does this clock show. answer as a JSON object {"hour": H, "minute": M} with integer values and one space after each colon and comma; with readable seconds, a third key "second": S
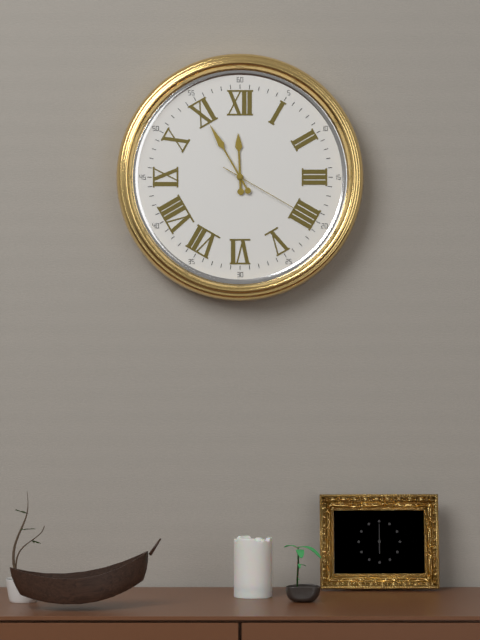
{"hour": 11, "minute": 55, "second": 20}
